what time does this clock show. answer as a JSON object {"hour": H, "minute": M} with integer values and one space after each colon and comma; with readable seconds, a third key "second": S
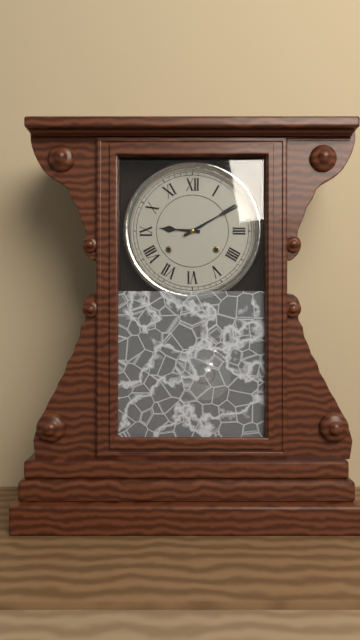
{"hour": 9, "minute": 10}
